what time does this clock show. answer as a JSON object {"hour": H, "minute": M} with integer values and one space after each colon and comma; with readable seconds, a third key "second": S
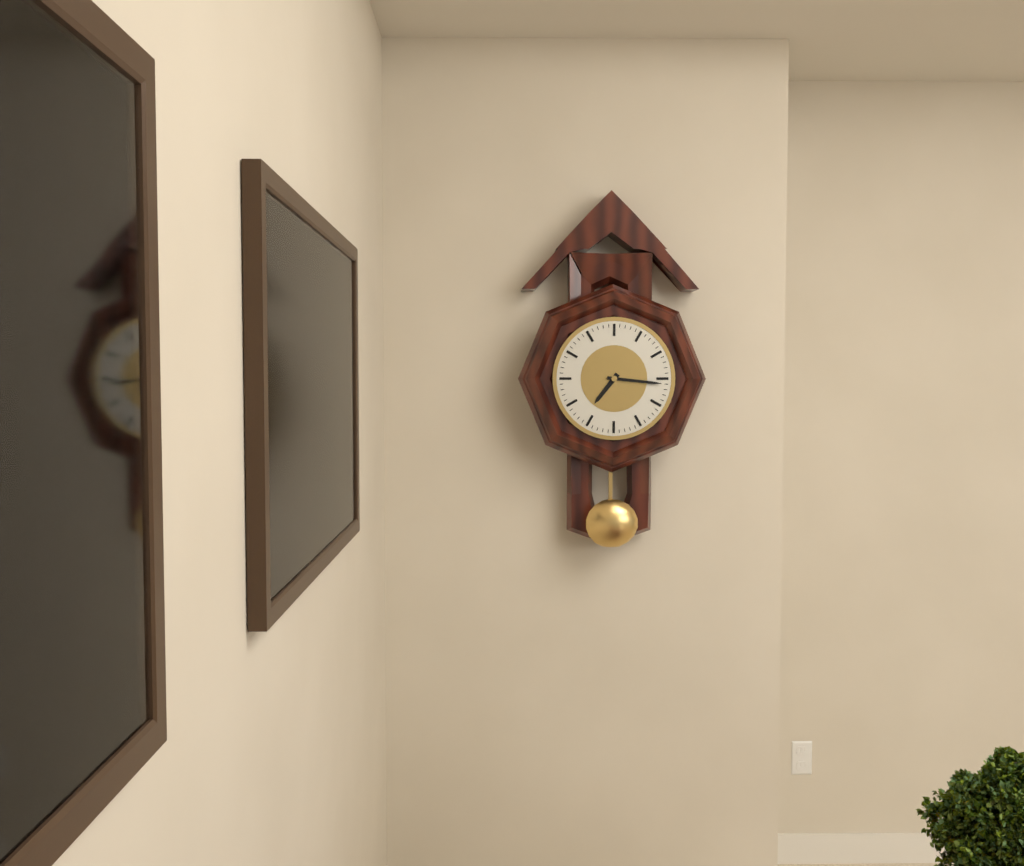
{"hour": 7, "minute": 16}
